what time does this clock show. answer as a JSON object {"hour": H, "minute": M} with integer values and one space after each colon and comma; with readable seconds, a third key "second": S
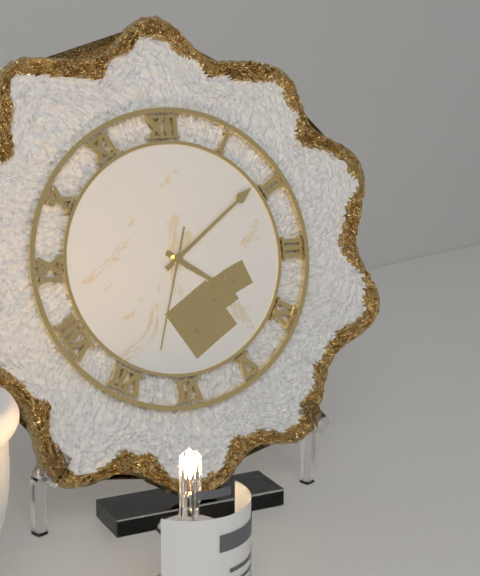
{"hour": 4, "minute": 9, "second": 33}
